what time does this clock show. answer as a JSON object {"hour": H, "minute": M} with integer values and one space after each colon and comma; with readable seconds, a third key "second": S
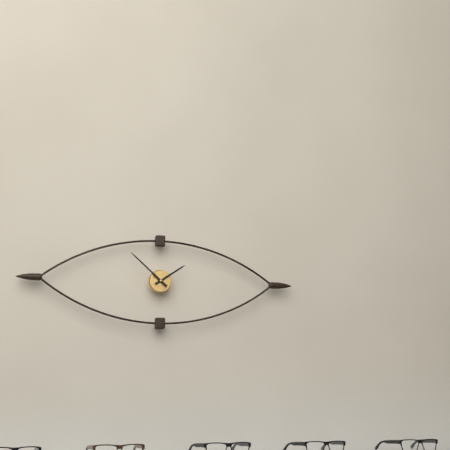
{"hour": 1, "minute": 52}
